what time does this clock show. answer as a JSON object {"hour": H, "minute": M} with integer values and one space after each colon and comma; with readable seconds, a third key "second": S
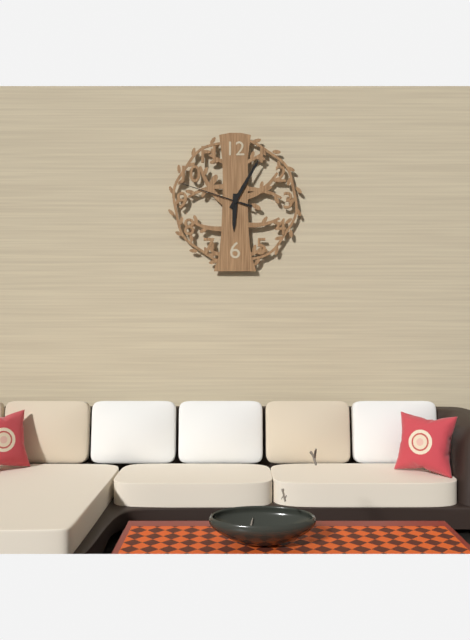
{"hour": 6, "minute": 5, "second": 48}
